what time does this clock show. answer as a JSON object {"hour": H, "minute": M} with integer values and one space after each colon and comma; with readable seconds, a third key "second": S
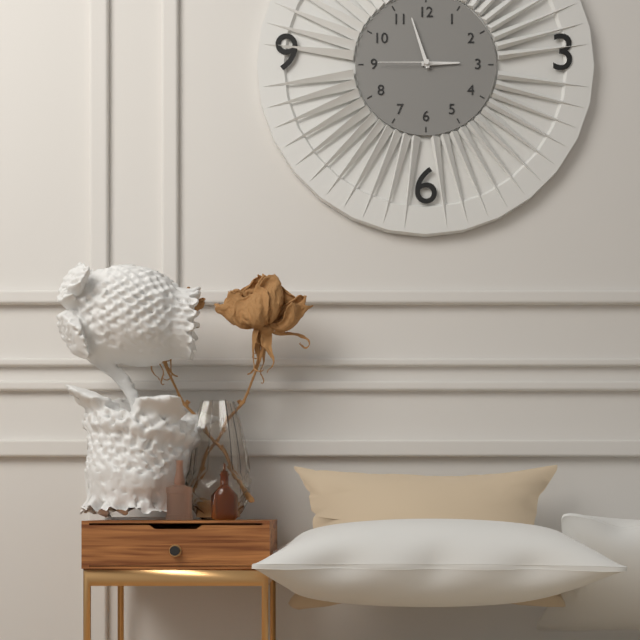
{"hour": 2, "minute": 57, "second": 45}
